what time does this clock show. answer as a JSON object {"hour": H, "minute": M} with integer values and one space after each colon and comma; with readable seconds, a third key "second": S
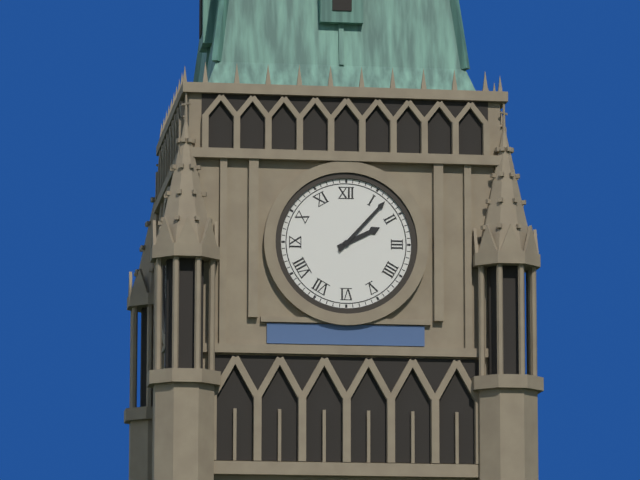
{"hour": 2, "minute": 7}
